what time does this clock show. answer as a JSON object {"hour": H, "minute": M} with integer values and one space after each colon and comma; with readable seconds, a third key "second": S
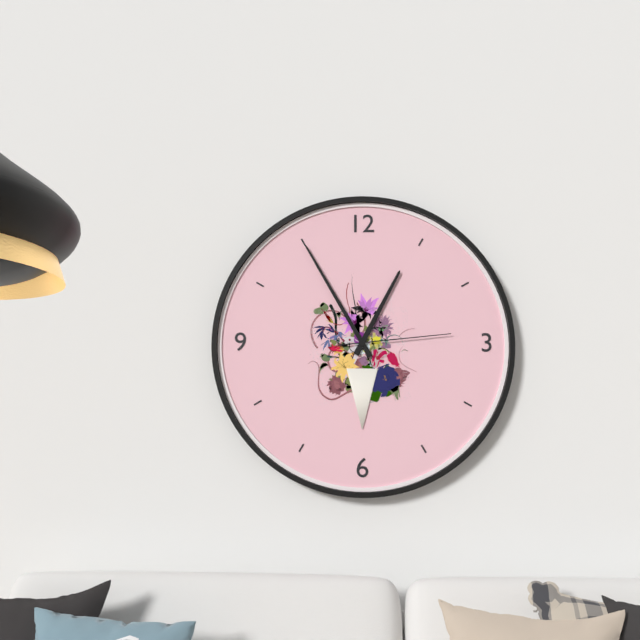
{"hour": 12, "minute": 55, "second": 14}
